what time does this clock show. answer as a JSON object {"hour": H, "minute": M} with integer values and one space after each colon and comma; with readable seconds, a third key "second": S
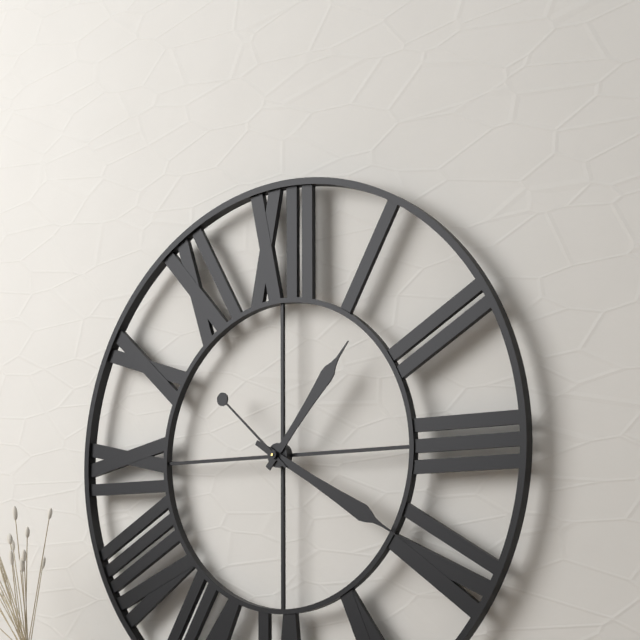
{"hour": 1, "minute": 20, "second": 52}
